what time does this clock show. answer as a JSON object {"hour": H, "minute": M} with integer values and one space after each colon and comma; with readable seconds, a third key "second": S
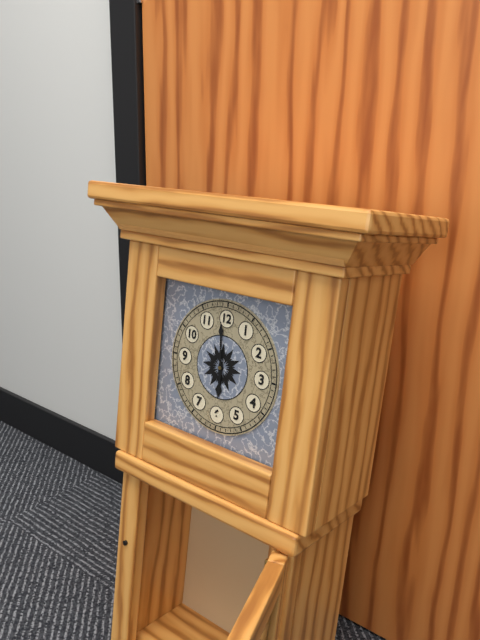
{"hour": 5, "minute": 59}
